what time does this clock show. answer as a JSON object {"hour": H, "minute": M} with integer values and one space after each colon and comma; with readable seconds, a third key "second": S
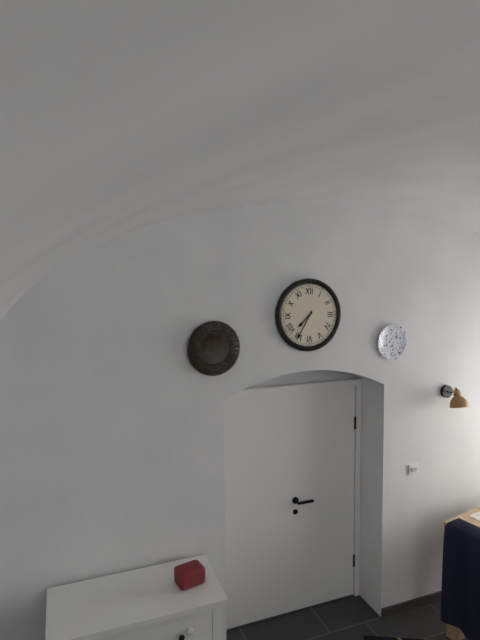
{"hour": 7, "minute": 35}
